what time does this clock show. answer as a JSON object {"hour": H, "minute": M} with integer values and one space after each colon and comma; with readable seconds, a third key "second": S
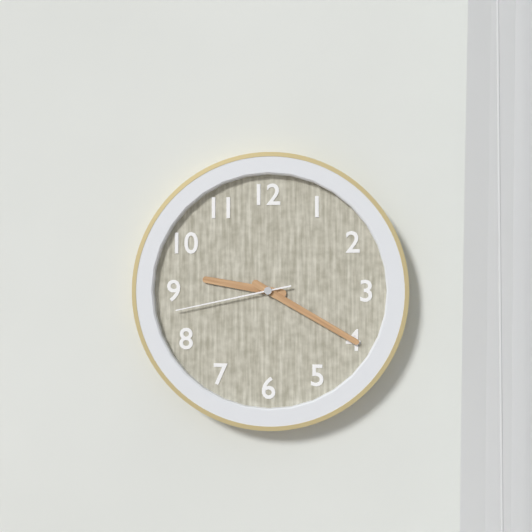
{"hour": 9, "minute": 20, "second": 43}
